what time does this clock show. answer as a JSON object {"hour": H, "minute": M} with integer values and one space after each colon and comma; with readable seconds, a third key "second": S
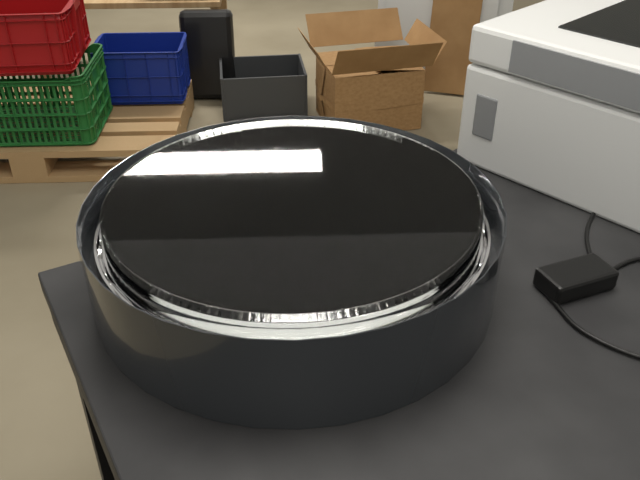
{"hour": 1, "minute": 0}
